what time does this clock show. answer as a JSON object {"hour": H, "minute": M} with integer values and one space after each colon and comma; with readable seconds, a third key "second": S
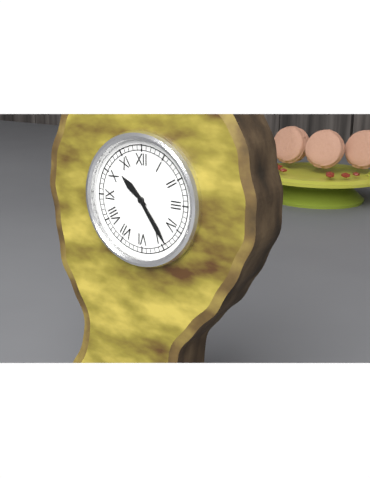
{"hour": 10, "minute": 24}
